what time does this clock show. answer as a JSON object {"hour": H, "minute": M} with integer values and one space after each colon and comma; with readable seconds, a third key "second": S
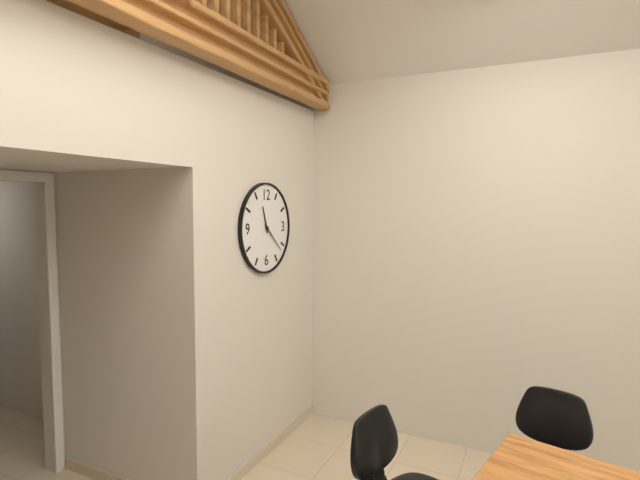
{"hour": 11, "minute": 22}
